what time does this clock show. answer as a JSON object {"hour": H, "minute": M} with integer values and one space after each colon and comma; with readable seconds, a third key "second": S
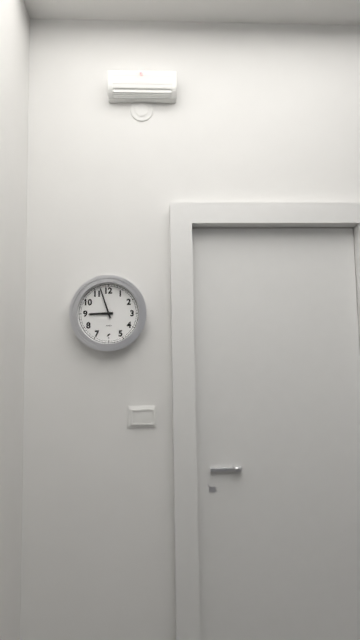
{"hour": 8, "minute": 57}
